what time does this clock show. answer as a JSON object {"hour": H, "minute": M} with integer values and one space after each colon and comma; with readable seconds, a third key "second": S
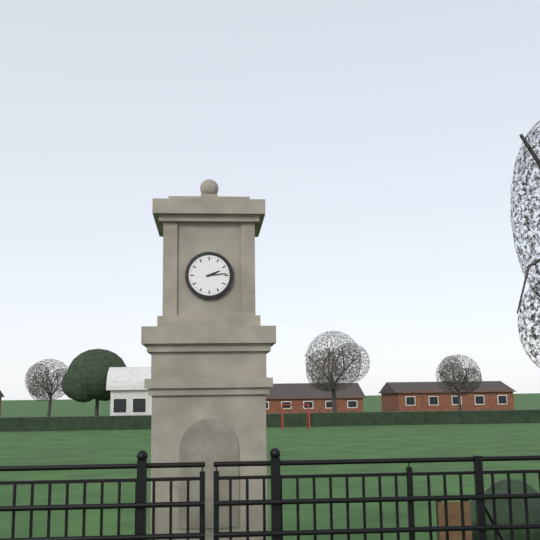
{"hour": 2, "minute": 14}
